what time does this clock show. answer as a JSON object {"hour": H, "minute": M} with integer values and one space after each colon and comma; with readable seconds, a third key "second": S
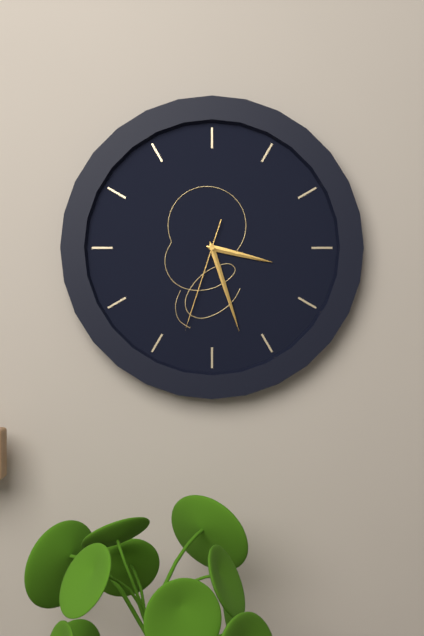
{"hour": 3, "minute": 27, "second": 33}
